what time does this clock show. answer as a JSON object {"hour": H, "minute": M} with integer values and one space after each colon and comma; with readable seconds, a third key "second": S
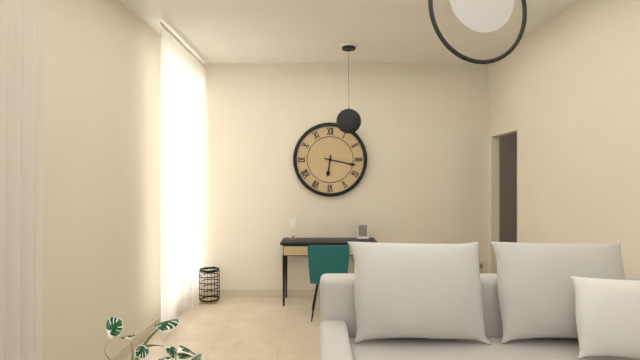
{"hour": 6, "minute": 17}
